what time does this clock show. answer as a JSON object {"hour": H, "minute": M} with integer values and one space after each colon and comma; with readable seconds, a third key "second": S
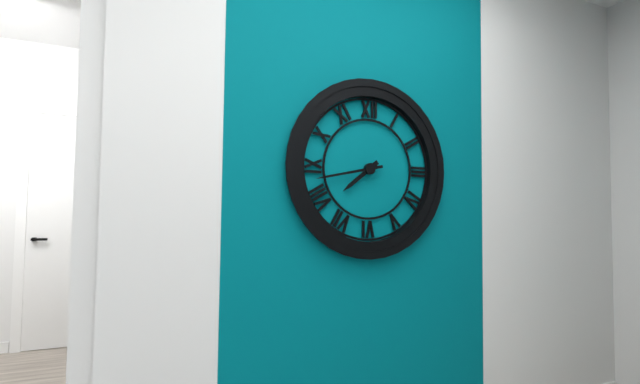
{"hour": 7, "minute": 43}
